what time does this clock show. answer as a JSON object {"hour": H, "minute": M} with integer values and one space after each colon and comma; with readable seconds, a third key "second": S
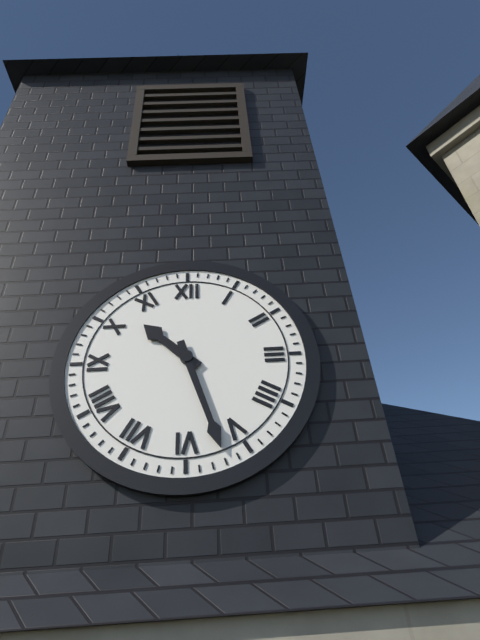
{"hour": 10, "minute": 27}
